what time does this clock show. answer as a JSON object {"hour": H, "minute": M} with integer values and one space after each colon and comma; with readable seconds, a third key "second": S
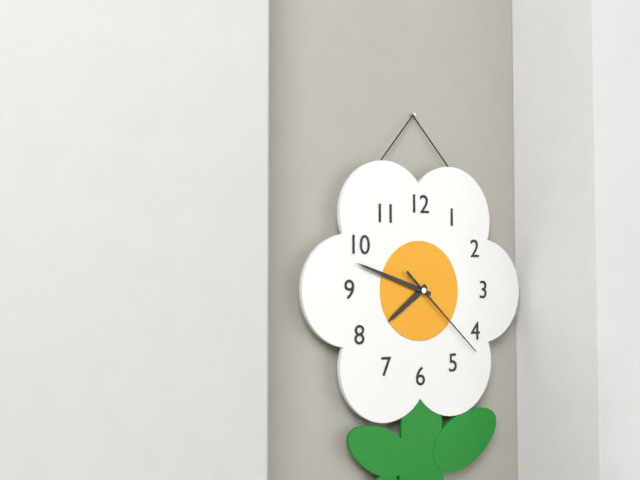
{"hour": 7, "minute": 48, "second": 22}
